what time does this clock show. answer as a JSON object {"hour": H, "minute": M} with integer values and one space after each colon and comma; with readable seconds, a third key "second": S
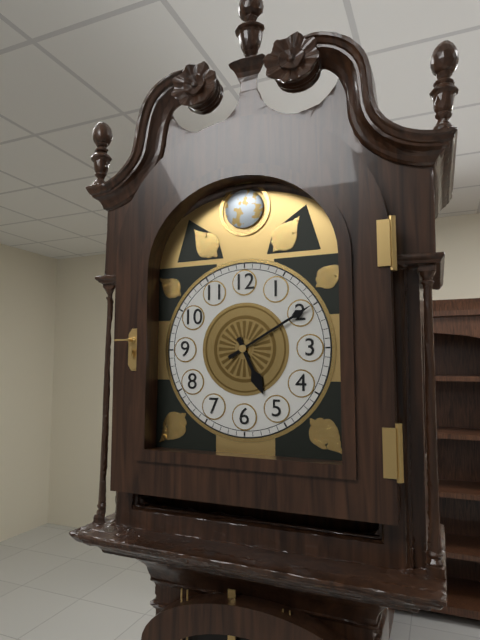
{"hour": 5, "minute": 10}
